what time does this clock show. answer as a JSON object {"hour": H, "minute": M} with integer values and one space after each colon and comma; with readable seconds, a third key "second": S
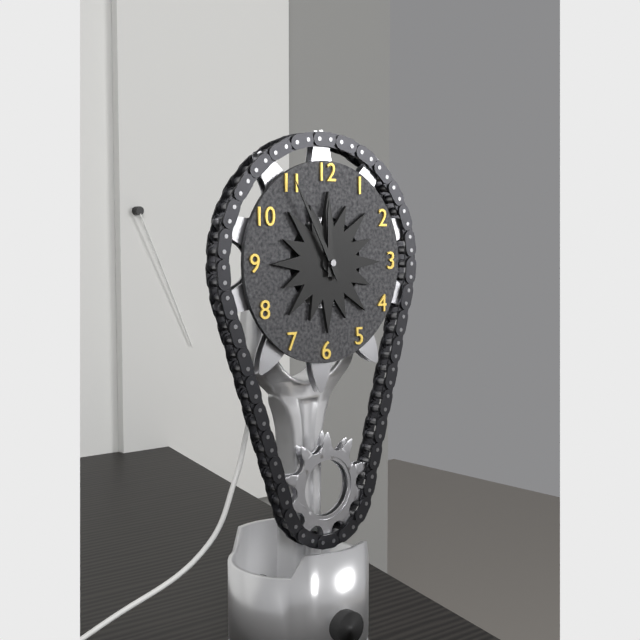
{"hour": 11, "minute": 55}
